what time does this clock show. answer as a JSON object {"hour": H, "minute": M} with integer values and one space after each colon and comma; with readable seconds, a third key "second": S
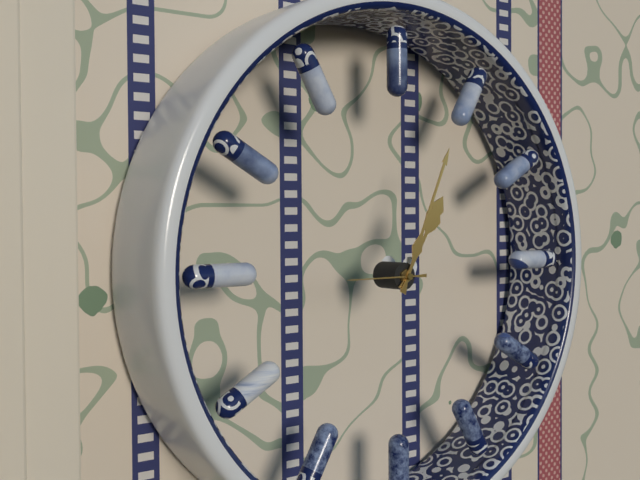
{"hour": 1, "minute": 4, "second": 45}
